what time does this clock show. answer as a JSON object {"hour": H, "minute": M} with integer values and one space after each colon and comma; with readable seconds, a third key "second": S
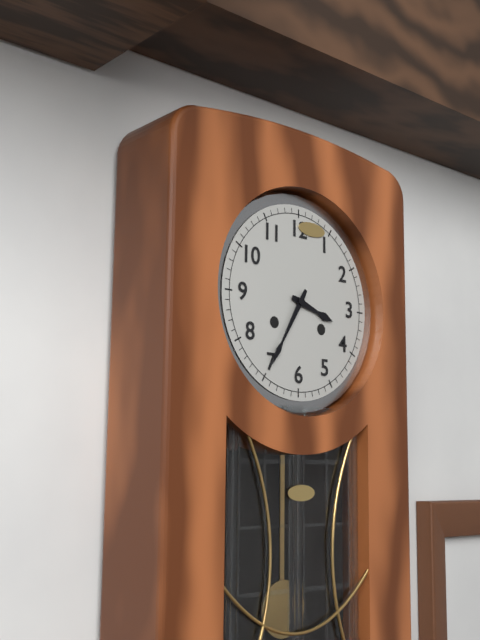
{"hour": 3, "minute": 35}
